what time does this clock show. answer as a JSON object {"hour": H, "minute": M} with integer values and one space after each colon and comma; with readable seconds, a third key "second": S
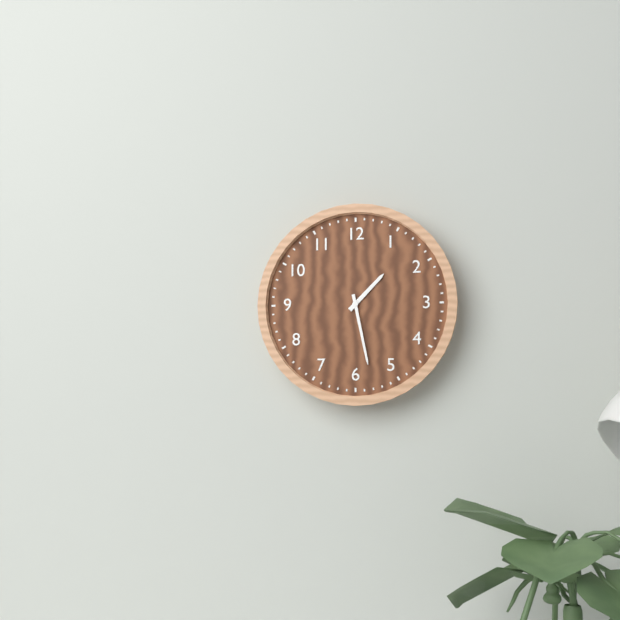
{"hour": 1, "minute": 28}
